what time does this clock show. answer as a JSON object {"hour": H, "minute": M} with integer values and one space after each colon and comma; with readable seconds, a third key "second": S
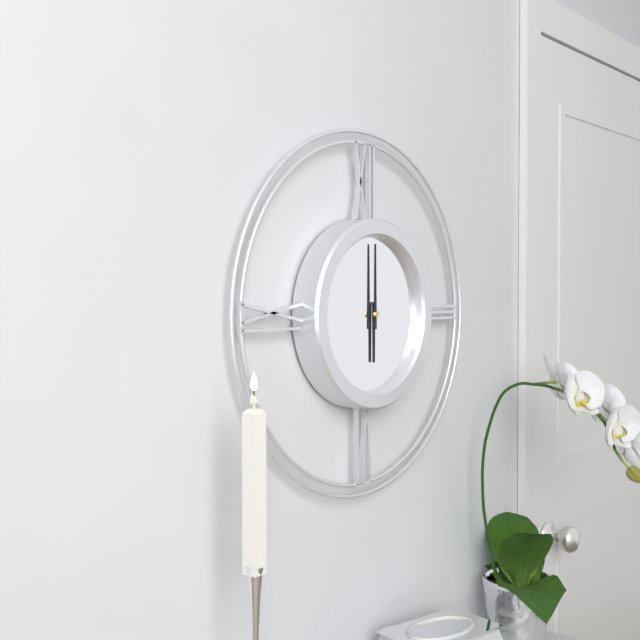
{"hour": 6, "minute": 0}
